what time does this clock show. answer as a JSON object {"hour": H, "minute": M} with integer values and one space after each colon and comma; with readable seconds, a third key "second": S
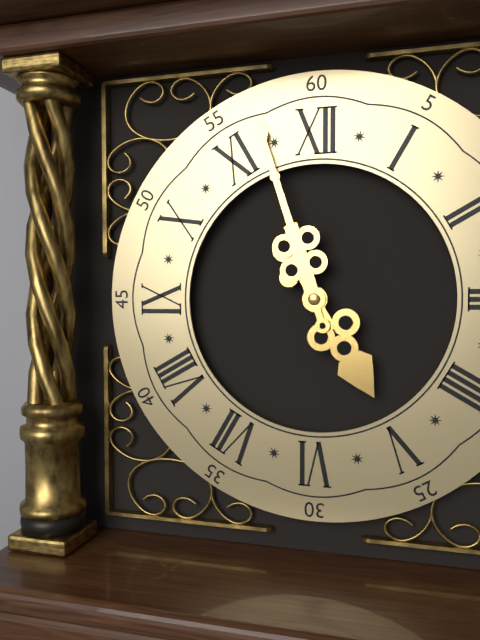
{"hour": 4, "minute": 57}
